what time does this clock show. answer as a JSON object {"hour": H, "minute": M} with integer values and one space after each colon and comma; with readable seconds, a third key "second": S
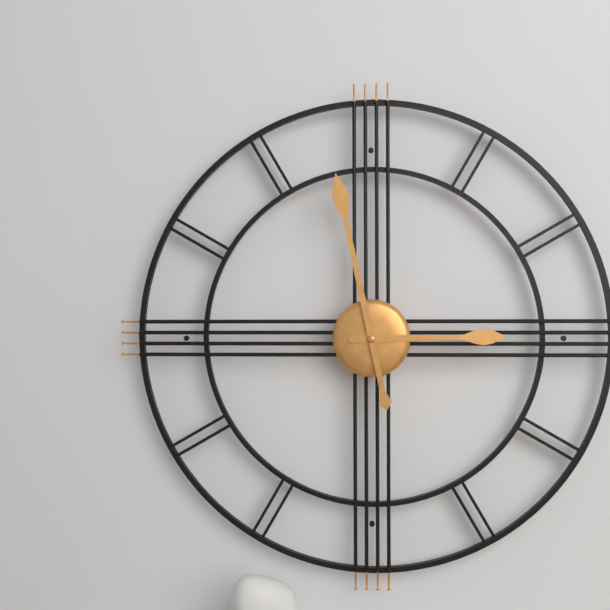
{"hour": 2, "minute": 58}
